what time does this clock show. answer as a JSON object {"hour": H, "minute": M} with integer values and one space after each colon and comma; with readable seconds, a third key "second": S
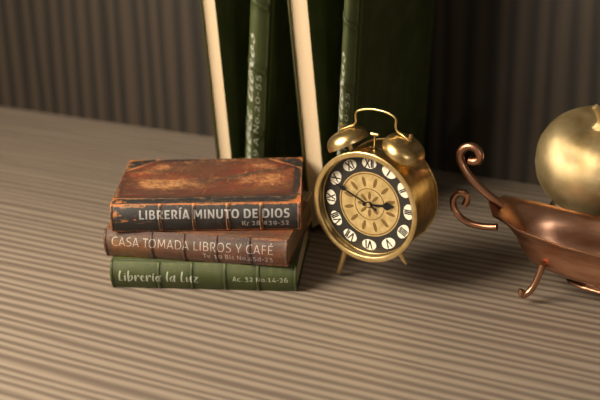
{"hour": 2, "minute": 49}
